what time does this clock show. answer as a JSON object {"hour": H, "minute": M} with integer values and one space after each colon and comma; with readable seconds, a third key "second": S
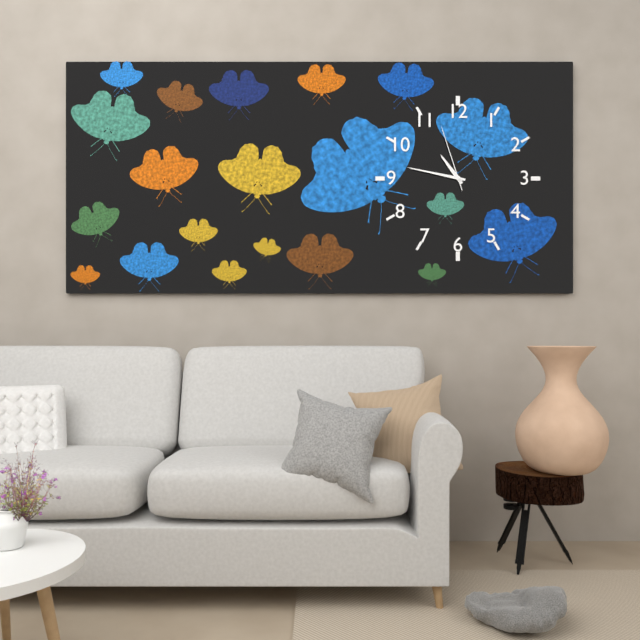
{"hour": 10, "minute": 47, "second": 57}
